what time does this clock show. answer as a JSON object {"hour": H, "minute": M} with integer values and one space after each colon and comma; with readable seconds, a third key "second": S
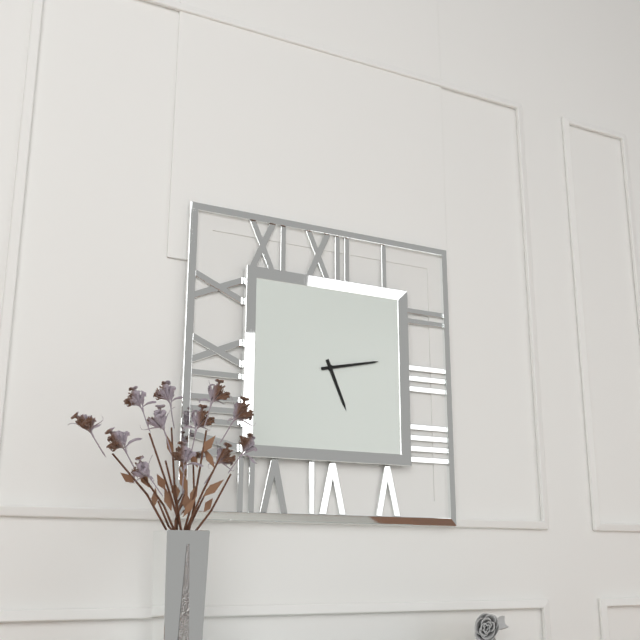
{"hour": 5, "minute": 13}
